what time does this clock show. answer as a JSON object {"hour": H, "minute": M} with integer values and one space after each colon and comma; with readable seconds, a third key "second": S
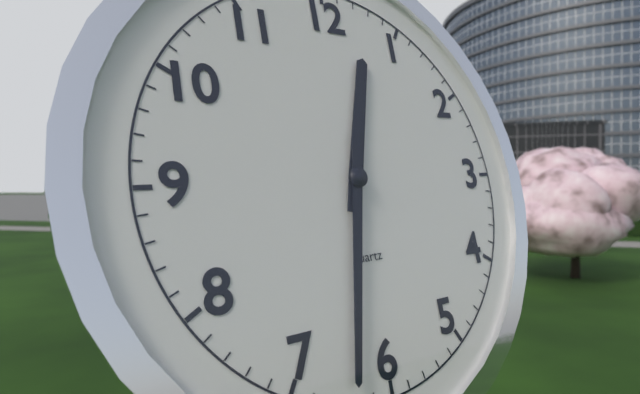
{"hour": 12, "minute": 32}
